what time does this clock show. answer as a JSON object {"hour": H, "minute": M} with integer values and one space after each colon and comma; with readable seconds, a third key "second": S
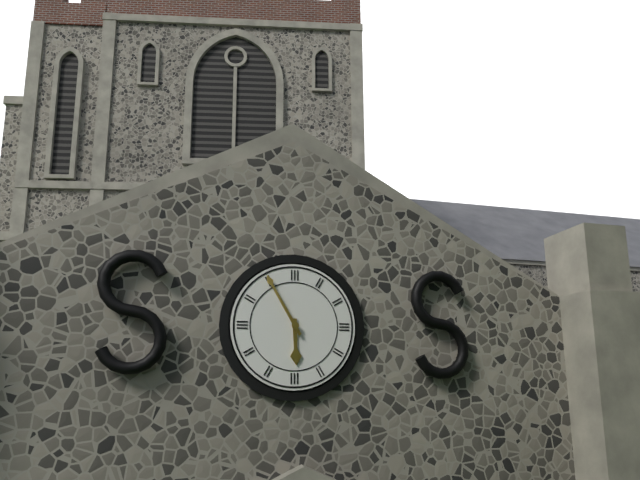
{"hour": 5, "minute": 55}
